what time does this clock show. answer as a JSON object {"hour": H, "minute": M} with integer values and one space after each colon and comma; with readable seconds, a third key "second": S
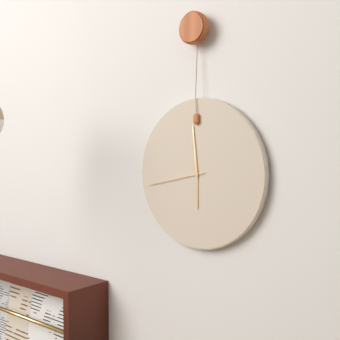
{"hour": 5, "minute": 59, "second": 43}
